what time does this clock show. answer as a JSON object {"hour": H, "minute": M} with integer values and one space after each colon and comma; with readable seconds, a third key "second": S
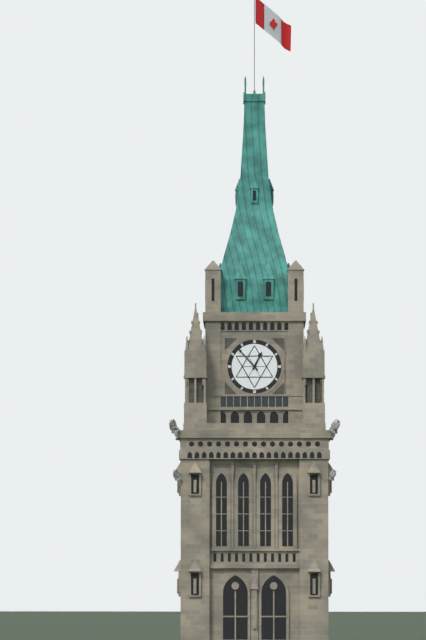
{"hour": 12, "minute": 53}
